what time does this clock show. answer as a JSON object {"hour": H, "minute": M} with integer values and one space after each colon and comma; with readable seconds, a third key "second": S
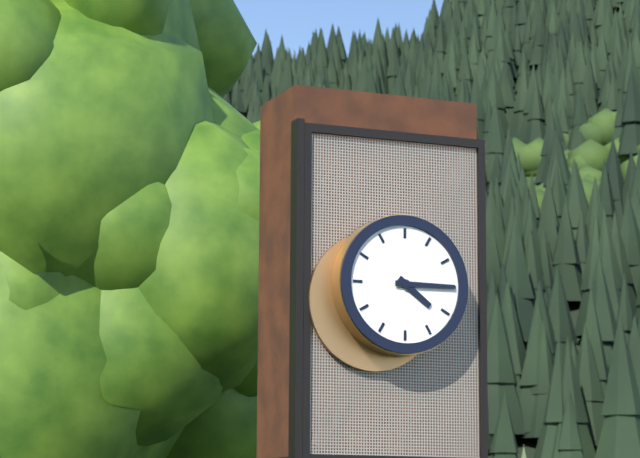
{"hour": 4, "minute": 15}
